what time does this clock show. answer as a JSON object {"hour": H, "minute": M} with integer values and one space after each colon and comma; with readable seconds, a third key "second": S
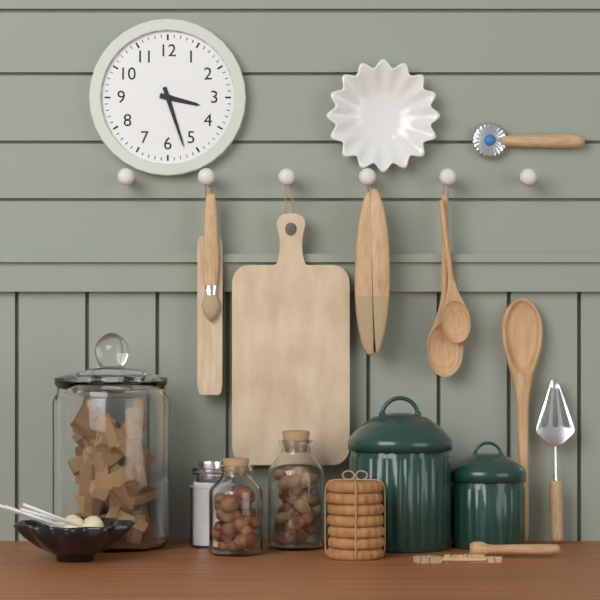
{"hour": 3, "minute": 27}
